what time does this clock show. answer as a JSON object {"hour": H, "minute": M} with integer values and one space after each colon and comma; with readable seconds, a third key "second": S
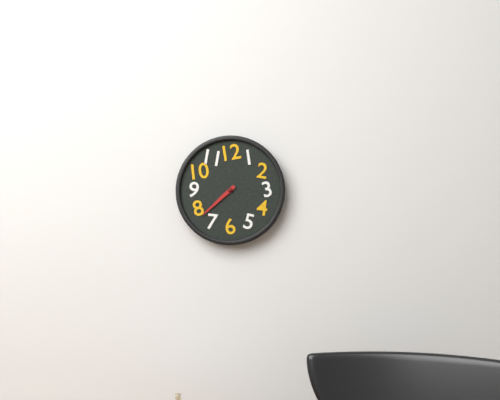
{"hour": 7, "minute": 38}
